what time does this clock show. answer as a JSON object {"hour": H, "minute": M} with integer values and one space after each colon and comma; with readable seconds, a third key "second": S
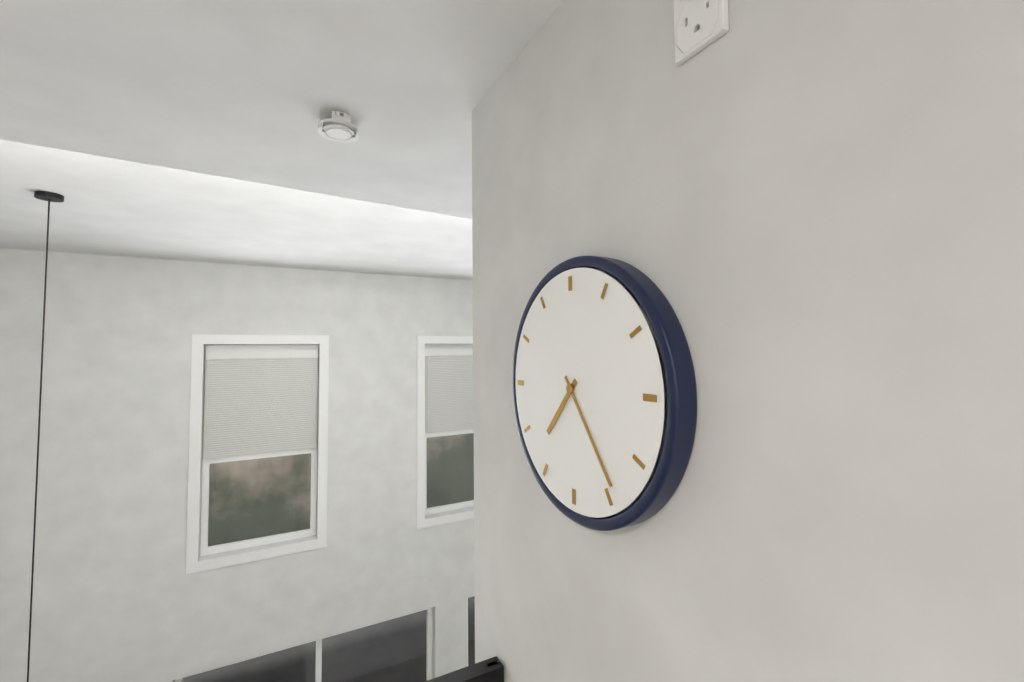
{"hour": 7, "minute": 24}
